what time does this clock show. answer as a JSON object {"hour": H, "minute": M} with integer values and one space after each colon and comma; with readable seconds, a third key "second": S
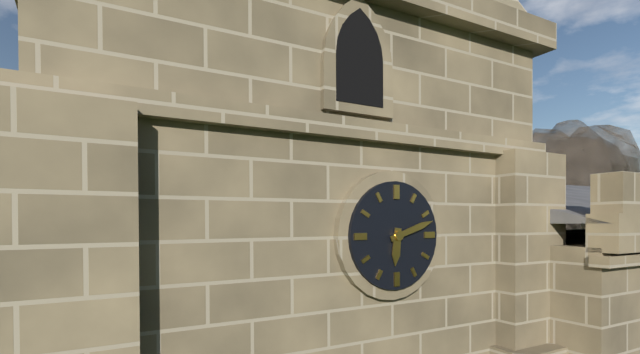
{"hour": 6, "minute": 12}
